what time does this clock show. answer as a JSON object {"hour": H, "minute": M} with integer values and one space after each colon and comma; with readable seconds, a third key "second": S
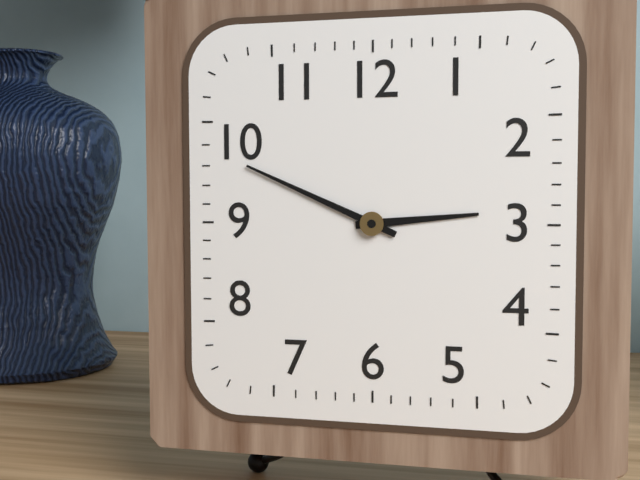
{"hour": 2, "minute": 49}
